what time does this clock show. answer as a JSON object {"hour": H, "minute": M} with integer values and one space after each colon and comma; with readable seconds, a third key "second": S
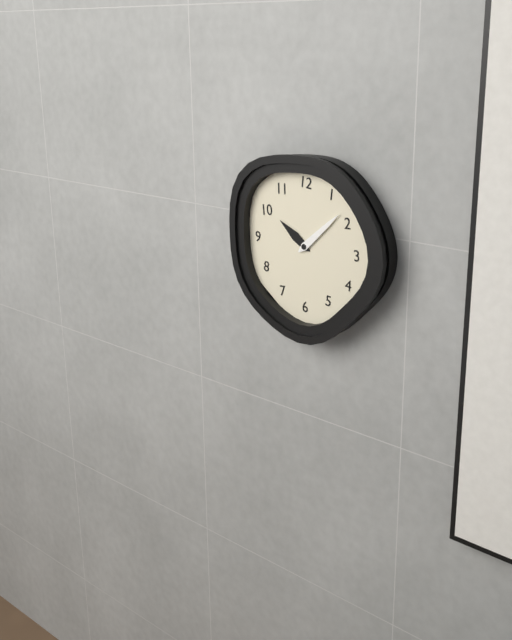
{"hour": 10, "minute": 8}
